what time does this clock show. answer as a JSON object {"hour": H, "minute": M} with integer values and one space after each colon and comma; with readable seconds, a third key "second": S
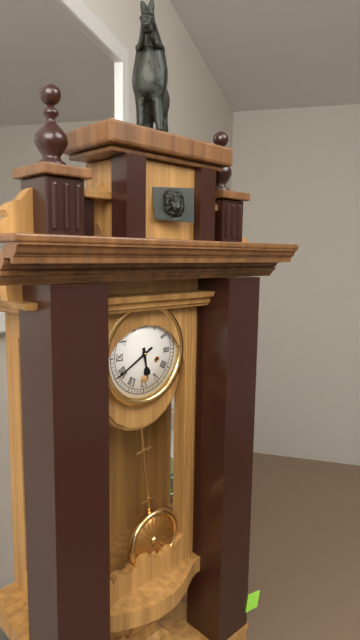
{"hour": 5, "minute": 40}
